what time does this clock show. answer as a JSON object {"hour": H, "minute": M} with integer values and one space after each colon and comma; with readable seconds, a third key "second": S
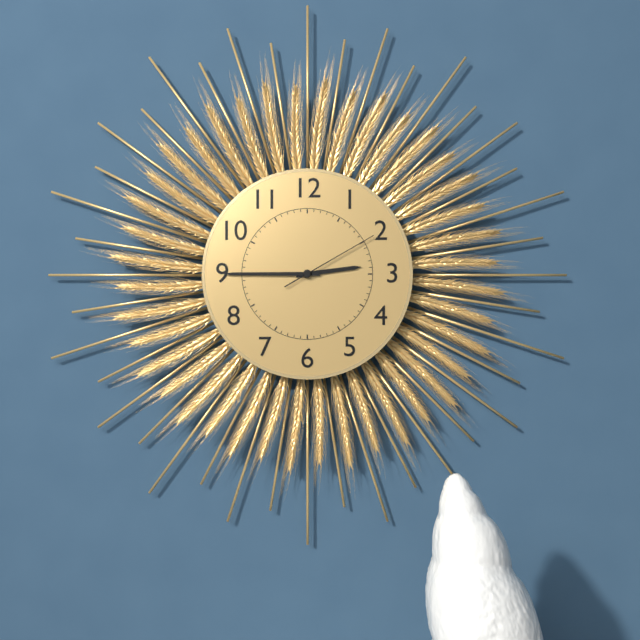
{"hour": 2, "minute": 45, "second": 10}
